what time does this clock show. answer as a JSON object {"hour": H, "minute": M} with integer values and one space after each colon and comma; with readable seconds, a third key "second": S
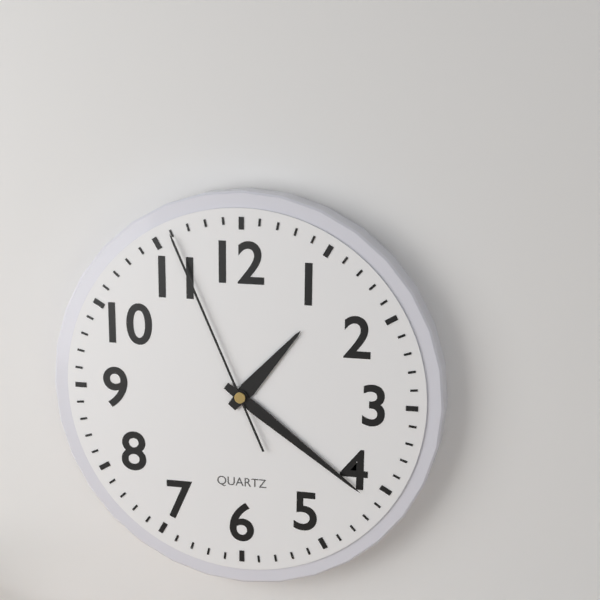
{"hour": 1, "minute": 21, "second": 56}
